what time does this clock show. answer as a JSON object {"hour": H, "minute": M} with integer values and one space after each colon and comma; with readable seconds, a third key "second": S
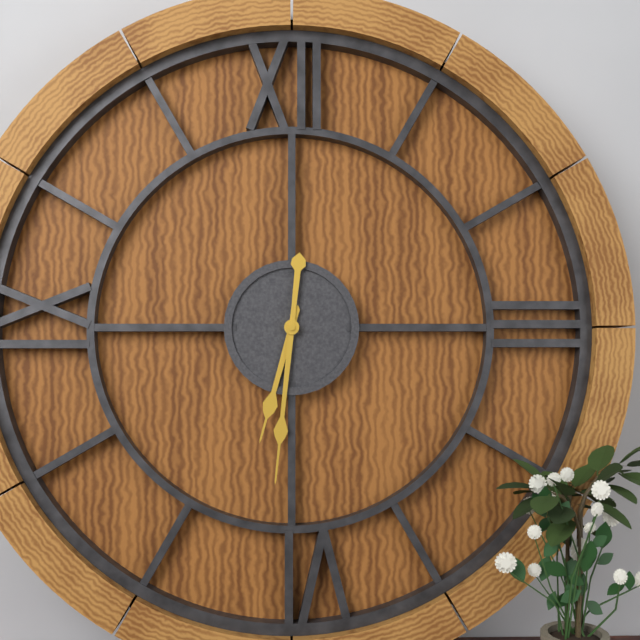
{"hour": 6, "minute": 31}
